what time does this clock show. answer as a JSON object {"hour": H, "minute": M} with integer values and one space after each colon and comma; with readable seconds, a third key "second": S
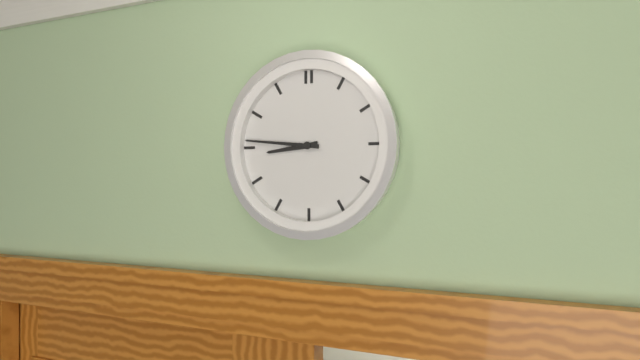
{"hour": 8, "minute": 46}
